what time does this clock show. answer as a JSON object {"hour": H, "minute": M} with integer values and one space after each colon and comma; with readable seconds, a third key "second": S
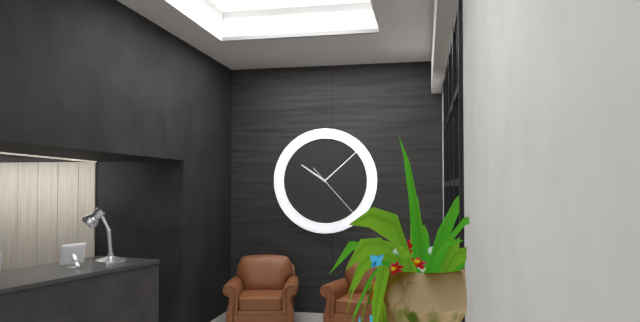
{"hour": 10, "minute": 8, "second": 23}
